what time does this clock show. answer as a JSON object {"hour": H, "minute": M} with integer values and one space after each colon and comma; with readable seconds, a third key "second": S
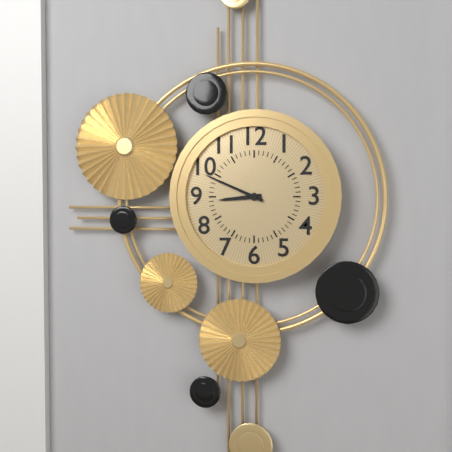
{"hour": 8, "minute": 49}
